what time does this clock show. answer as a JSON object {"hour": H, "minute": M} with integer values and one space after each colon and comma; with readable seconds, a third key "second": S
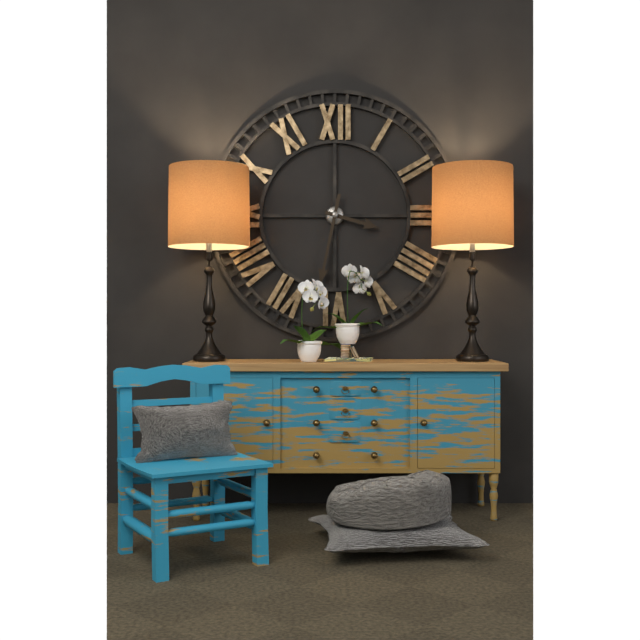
{"hour": 3, "minute": 32}
